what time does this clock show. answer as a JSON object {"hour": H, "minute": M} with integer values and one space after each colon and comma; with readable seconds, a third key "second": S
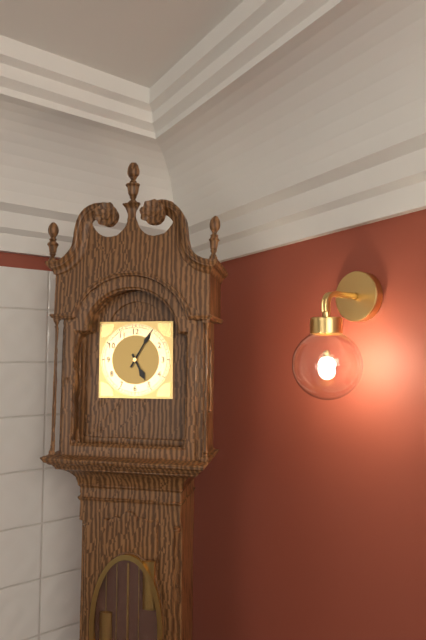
{"hour": 5, "minute": 5}
